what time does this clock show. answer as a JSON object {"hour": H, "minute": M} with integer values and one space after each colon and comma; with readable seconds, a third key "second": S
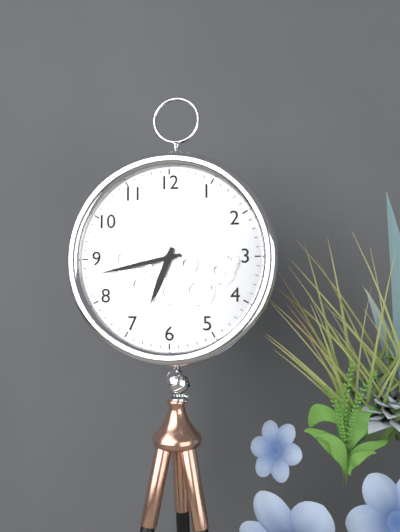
{"hour": 6, "minute": 43}
